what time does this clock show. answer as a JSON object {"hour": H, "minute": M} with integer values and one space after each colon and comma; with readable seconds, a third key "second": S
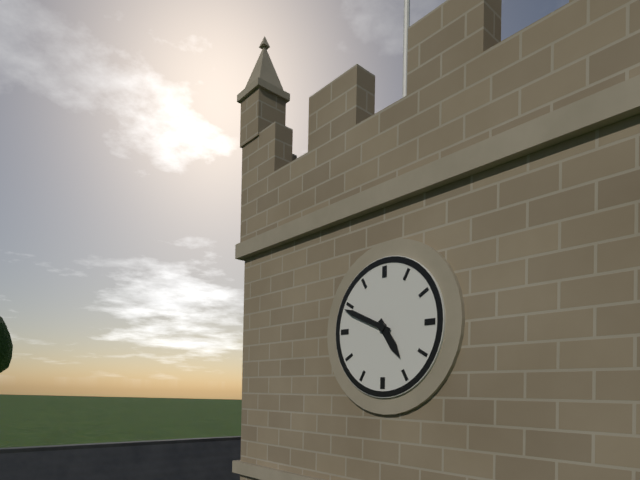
{"hour": 4, "minute": 49}
